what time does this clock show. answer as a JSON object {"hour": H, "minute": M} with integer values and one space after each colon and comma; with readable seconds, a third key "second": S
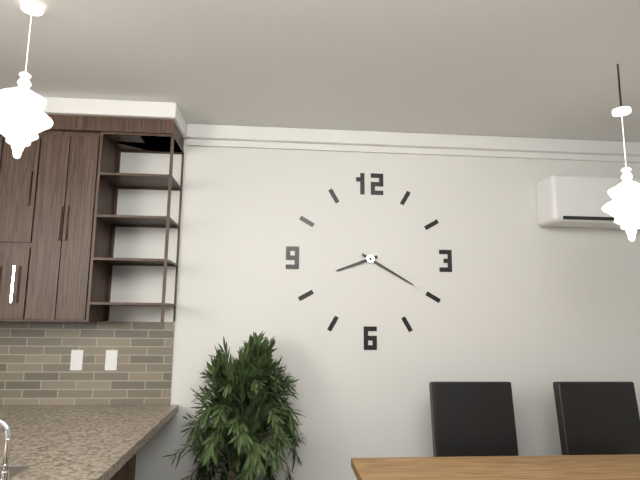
{"hour": 8, "minute": 20}
